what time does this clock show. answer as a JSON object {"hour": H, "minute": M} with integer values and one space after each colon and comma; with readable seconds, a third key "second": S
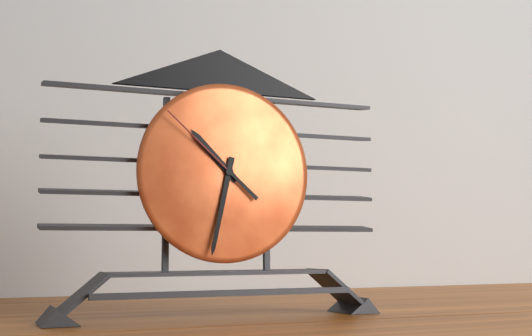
{"hour": 10, "minute": 32, "second": 52}
